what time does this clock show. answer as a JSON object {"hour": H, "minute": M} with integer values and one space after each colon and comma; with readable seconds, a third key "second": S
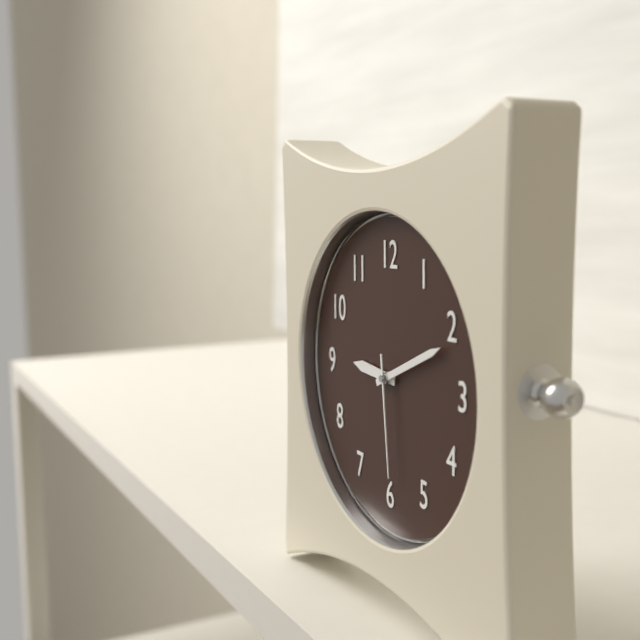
{"hour": 9, "minute": 11, "second": 29}
